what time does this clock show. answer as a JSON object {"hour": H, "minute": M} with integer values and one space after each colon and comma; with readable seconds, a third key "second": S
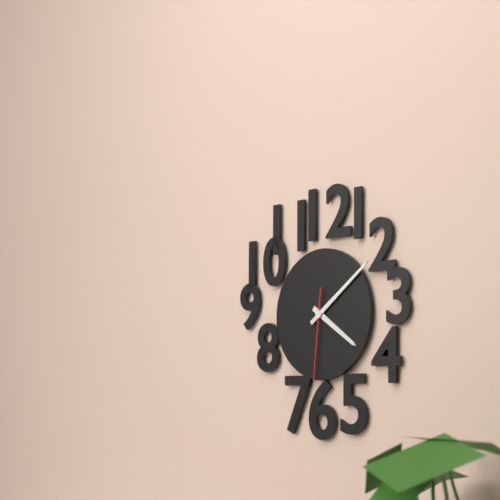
{"hour": 4, "minute": 9, "second": 31}
